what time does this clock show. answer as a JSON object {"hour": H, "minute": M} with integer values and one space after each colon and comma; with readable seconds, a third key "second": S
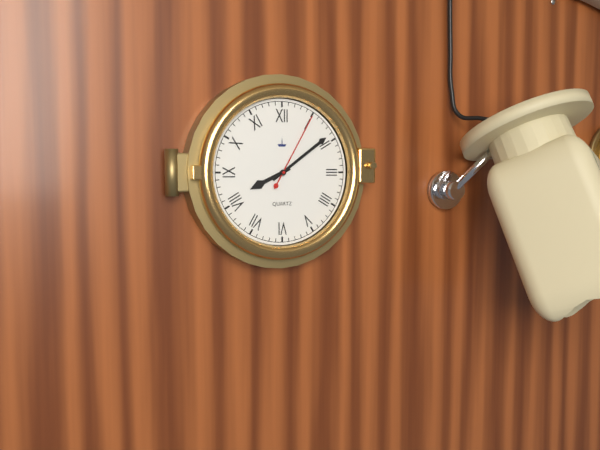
{"hour": 8, "minute": 9, "second": 5}
